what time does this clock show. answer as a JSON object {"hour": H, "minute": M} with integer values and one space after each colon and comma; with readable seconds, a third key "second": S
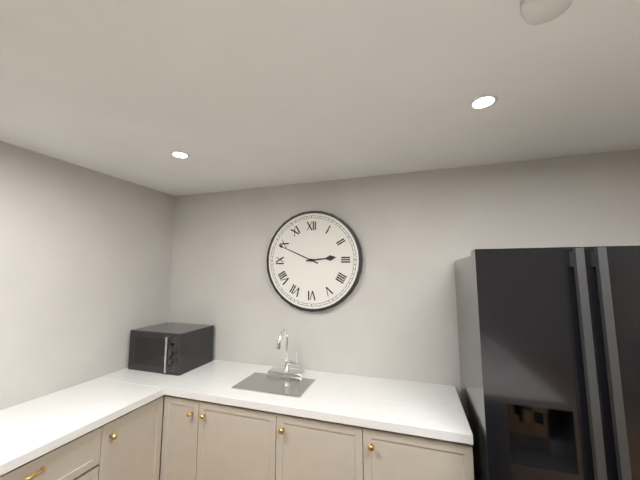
{"hour": 2, "minute": 49}
